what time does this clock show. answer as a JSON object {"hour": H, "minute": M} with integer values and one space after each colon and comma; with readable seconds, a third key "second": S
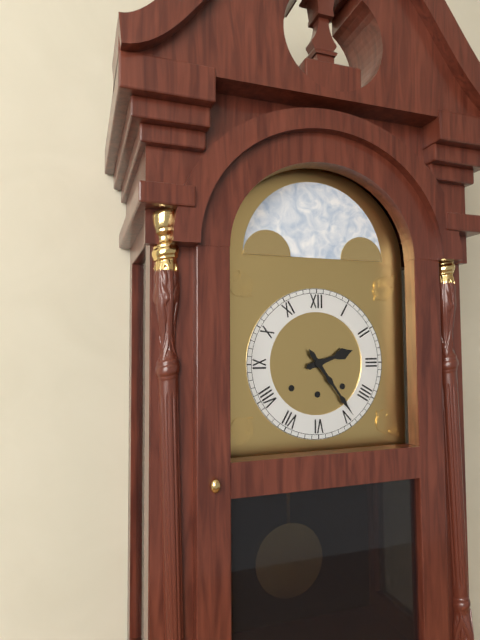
{"hour": 2, "minute": 24}
